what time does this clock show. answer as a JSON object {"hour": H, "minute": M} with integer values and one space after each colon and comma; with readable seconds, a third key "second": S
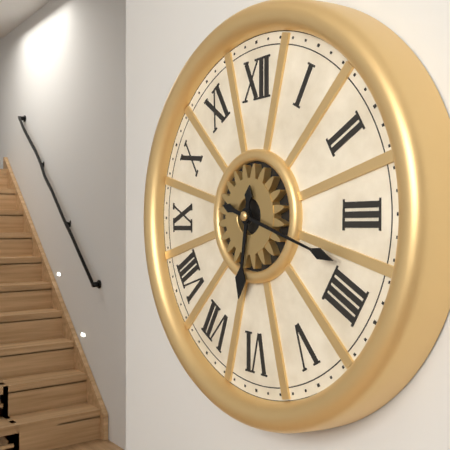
{"hour": 6, "minute": 18}
